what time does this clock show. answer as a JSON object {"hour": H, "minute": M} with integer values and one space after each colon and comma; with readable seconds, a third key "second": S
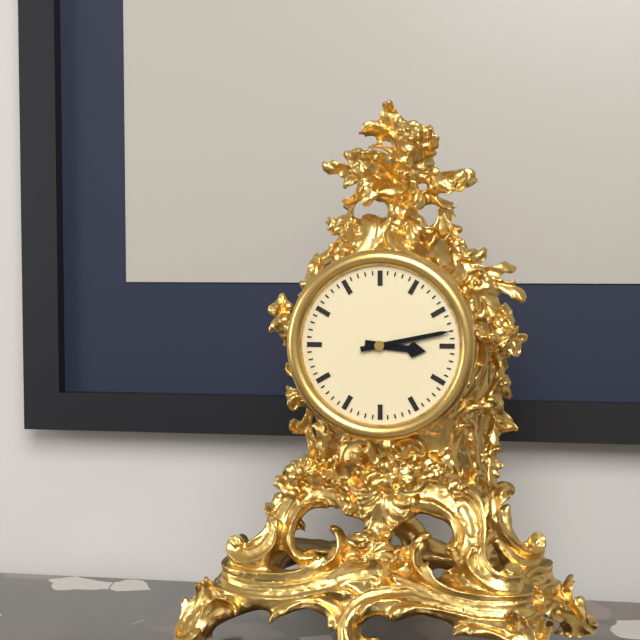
{"hour": 3, "minute": 13}
